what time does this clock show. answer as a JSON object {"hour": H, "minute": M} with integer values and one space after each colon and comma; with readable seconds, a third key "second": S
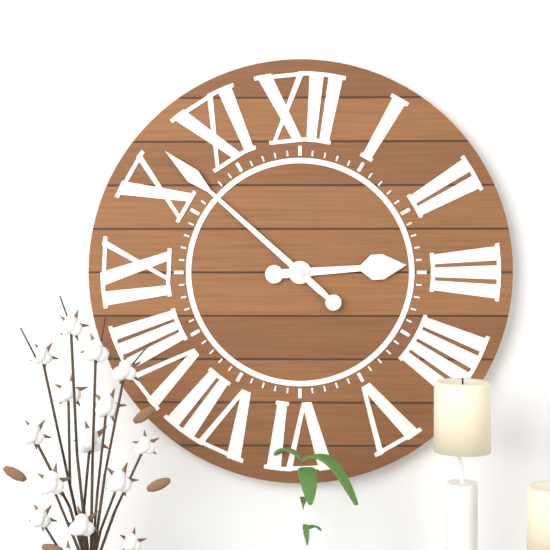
{"hour": 2, "minute": 52}
